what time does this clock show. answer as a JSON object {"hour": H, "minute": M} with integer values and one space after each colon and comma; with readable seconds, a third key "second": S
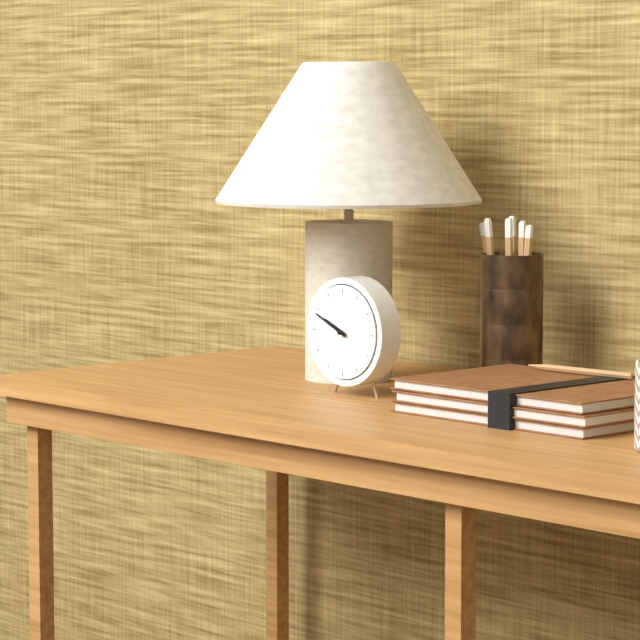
{"hour": 9, "minute": 49}
